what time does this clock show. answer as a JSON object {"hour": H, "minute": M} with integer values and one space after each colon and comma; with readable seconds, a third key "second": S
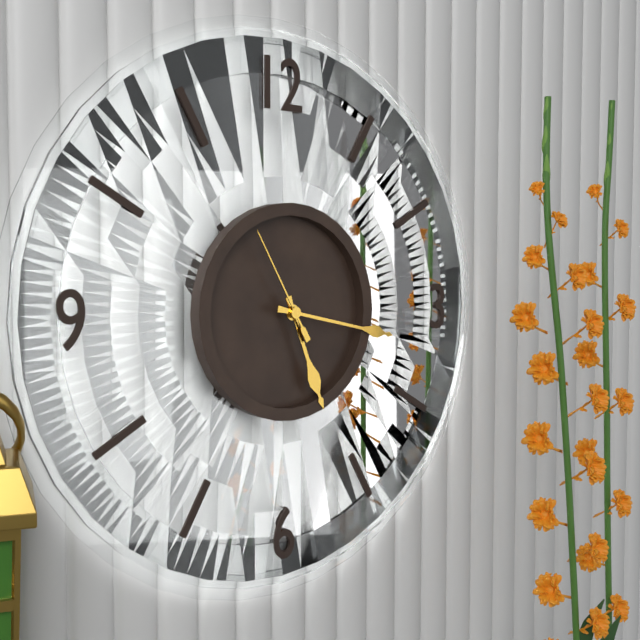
{"hour": 5, "minute": 17, "second": 55}
